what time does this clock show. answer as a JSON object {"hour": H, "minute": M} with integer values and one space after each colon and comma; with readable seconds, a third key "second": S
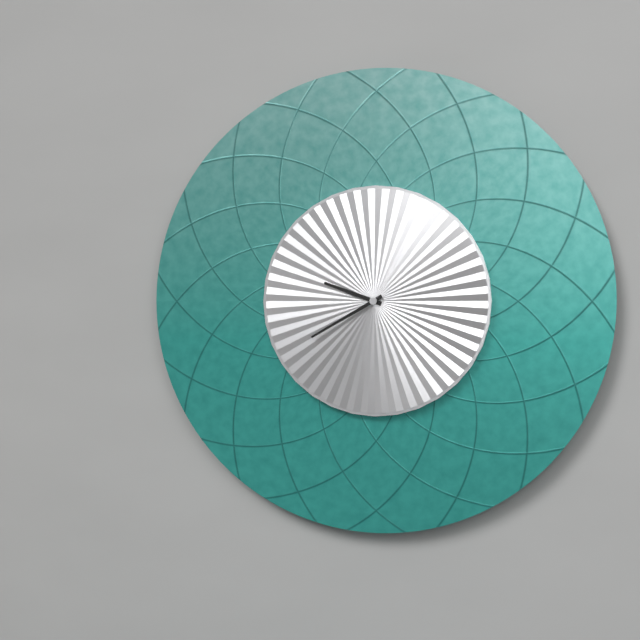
{"hour": 9, "minute": 40}
